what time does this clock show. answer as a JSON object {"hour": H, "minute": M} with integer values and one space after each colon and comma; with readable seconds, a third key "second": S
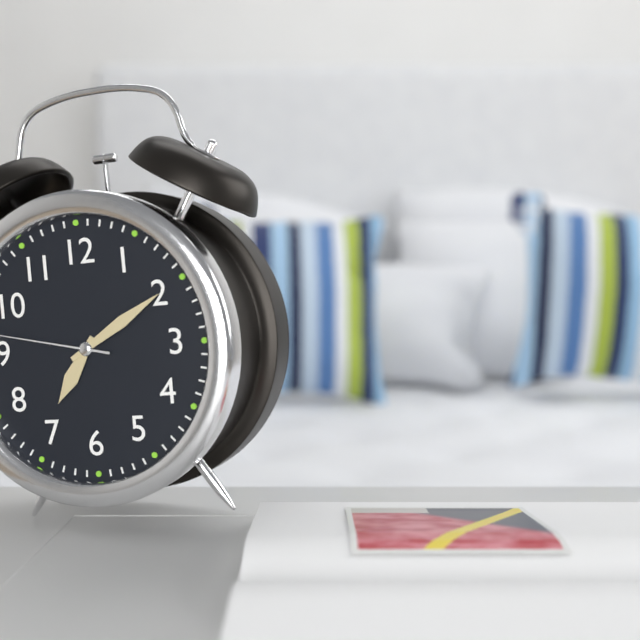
{"hour": 7, "minute": 10}
